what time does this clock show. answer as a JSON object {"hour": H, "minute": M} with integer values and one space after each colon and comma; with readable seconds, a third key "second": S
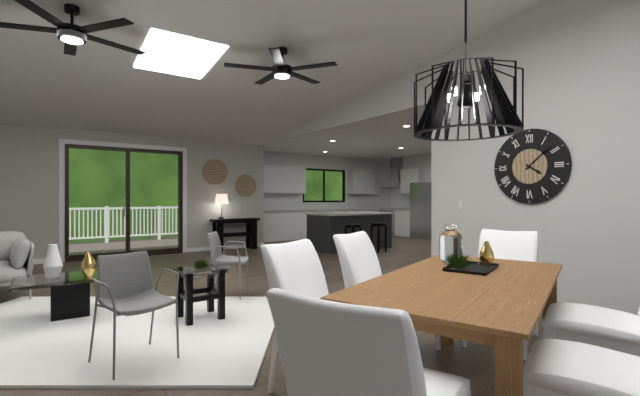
{"hour": 4, "minute": 8}
